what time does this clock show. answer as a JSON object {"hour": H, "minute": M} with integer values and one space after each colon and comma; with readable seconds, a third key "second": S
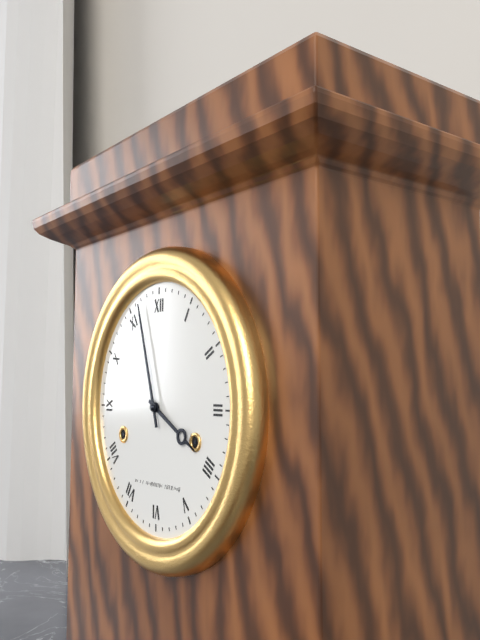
{"hour": 3, "minute": 57}
